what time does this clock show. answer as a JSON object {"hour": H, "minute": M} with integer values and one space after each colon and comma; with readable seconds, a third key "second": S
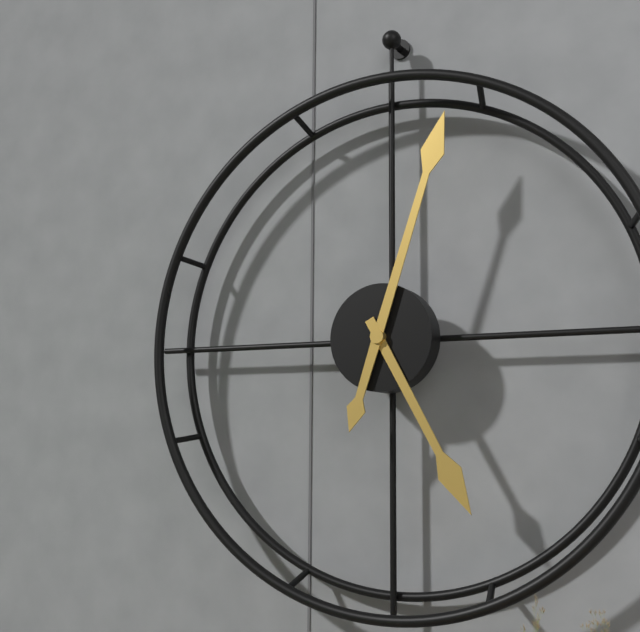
{"hour": 5, "minute": 3}
